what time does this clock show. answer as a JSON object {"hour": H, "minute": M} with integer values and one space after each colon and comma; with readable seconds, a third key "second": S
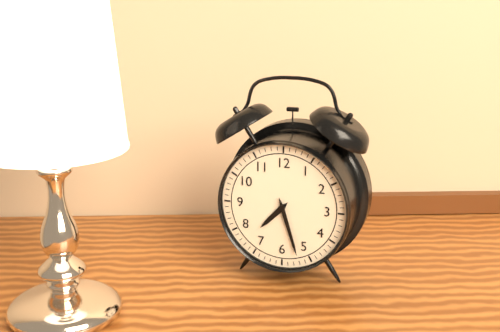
{"hour": 7, "minute": 27}
